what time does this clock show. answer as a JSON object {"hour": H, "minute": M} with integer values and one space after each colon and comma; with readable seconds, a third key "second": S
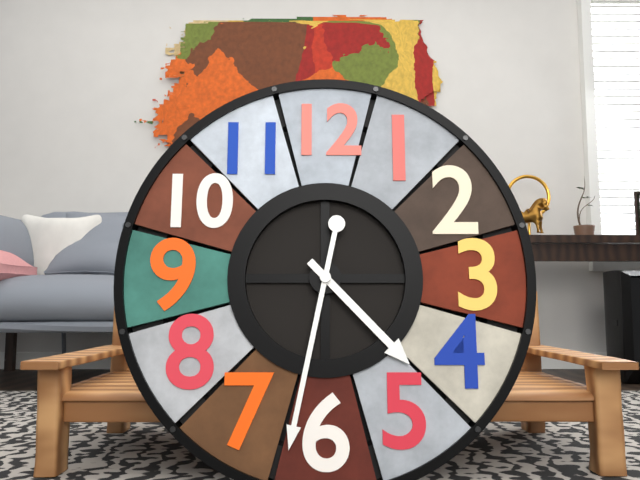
{"hour": 4, "minute": 32}
